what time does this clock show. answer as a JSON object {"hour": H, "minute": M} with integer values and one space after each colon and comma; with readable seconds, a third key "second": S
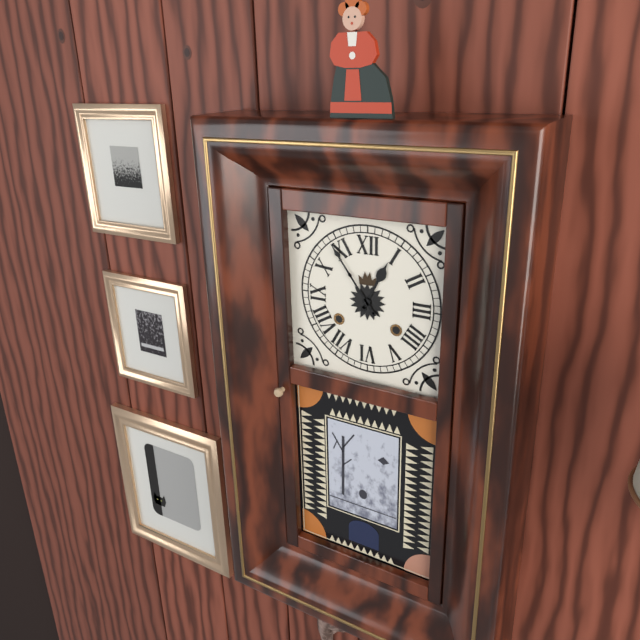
{"hour": 12, "minute": 54}
